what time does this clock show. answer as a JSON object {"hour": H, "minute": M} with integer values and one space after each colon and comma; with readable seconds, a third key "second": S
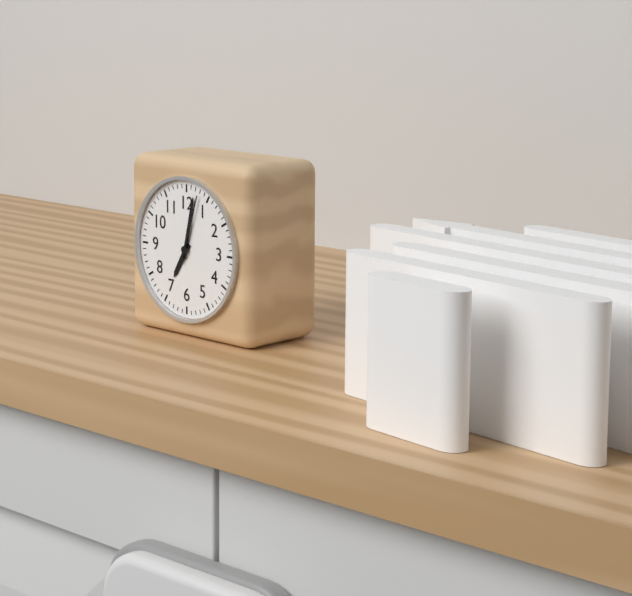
{"hour": 7, "minute": 2, "second": 3}
